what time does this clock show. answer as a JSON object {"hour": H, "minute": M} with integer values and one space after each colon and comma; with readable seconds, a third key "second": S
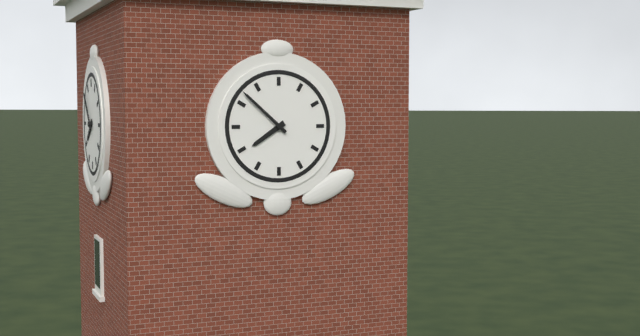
{"hour": 7, "minute": 52}
